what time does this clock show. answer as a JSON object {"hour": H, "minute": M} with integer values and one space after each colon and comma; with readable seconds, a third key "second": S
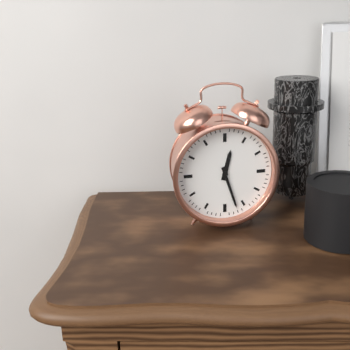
{"hour": 12, "minute": 27}
